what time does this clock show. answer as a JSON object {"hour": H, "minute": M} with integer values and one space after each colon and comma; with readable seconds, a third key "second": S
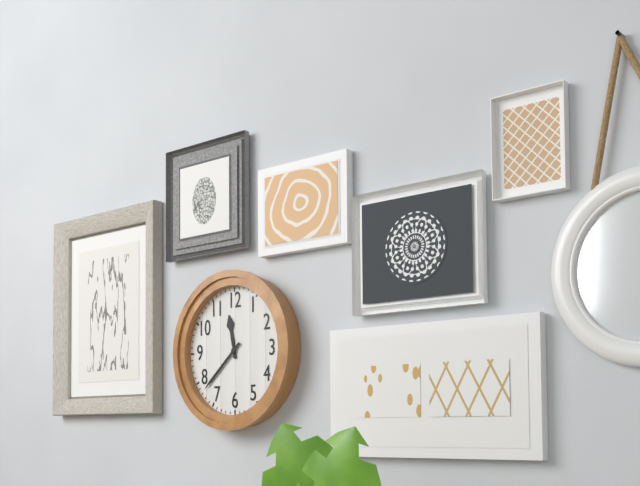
{"hour": 11, "minute": 38}
